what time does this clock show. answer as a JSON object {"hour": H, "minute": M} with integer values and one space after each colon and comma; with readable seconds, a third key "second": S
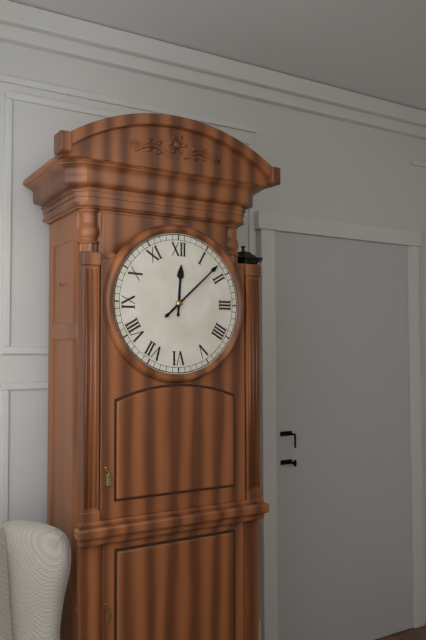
{"hour": 12, "minute": 8}
